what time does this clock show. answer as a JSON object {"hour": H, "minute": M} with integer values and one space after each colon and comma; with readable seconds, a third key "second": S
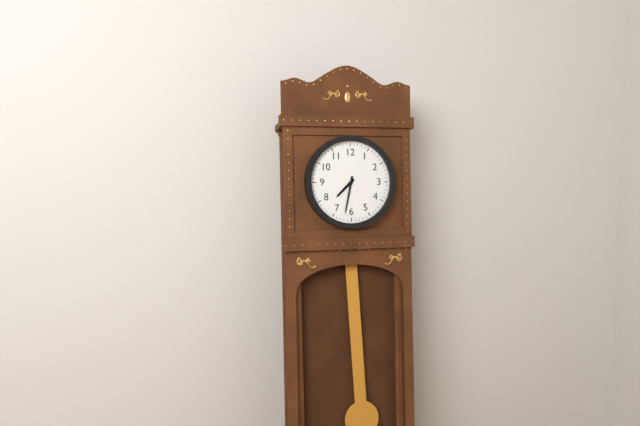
{"hour": 7, "minute": 32}
